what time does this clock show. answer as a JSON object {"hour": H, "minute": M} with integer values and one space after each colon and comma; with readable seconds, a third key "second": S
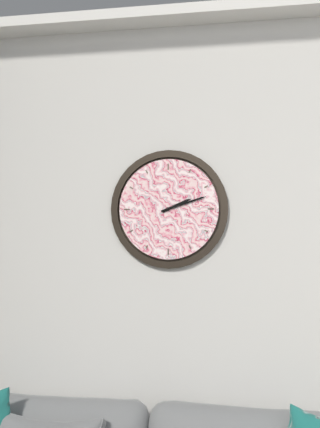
{"hour": 2, "minute": 12}
